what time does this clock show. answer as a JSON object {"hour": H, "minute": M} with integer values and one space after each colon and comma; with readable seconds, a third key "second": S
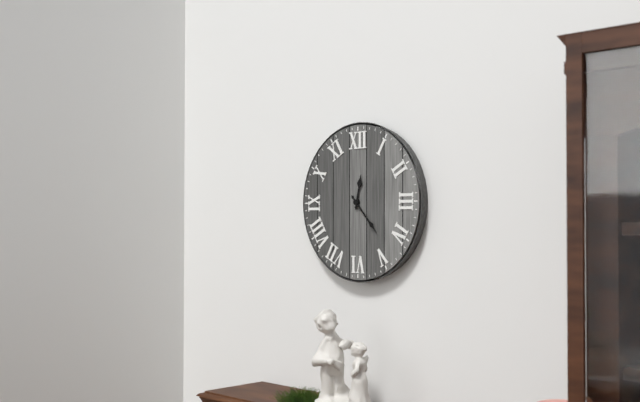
{"hour": 12, "minute": 23}
